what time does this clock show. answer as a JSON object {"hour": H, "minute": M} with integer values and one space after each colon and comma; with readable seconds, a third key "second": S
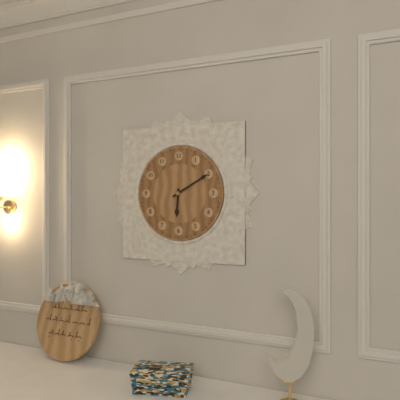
{"hour": 6, "minute": 10}
